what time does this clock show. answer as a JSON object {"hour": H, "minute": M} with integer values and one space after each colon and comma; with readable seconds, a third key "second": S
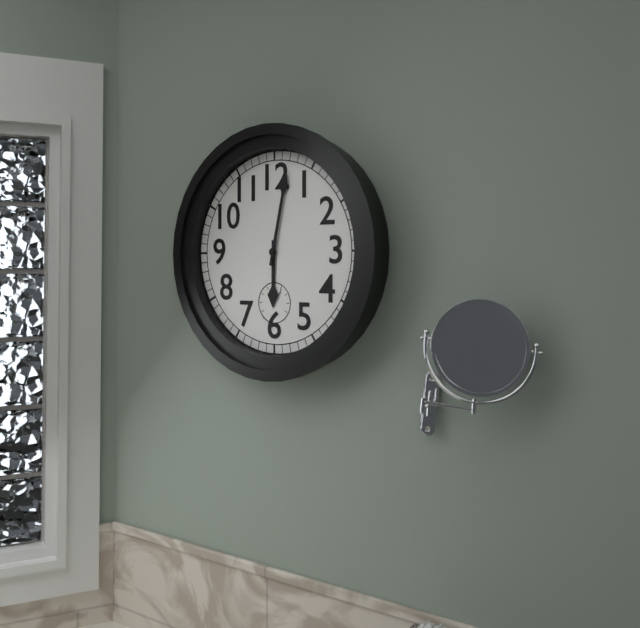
{"hour": 6, "minute": 2}
